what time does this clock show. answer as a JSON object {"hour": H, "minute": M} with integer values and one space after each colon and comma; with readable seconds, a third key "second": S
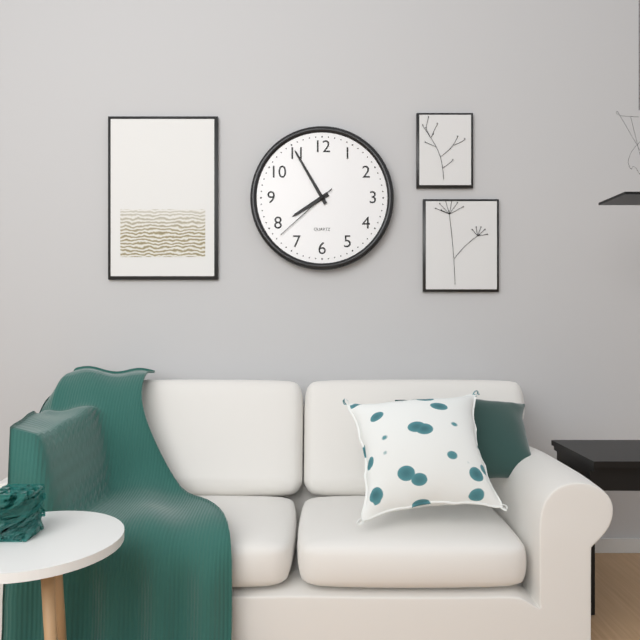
{"hour": 7, "minute": 55, "second": 38}
